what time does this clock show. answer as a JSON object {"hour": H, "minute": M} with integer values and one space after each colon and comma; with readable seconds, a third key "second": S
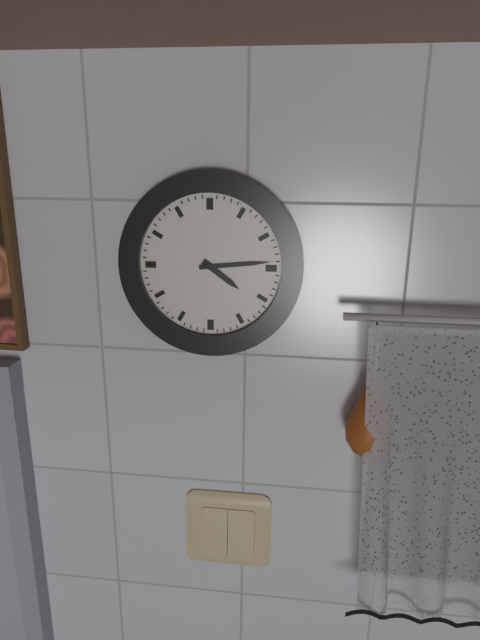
{"hour": 4, "minute": 14}
